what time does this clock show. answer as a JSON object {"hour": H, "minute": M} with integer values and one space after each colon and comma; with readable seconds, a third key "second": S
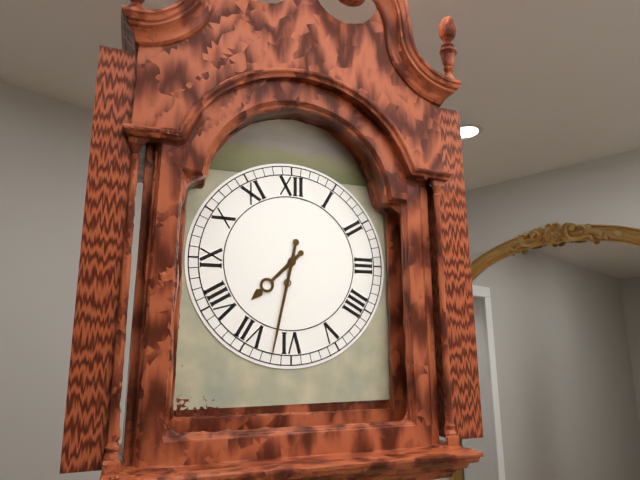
{"hour": 7, "minute": 32}
